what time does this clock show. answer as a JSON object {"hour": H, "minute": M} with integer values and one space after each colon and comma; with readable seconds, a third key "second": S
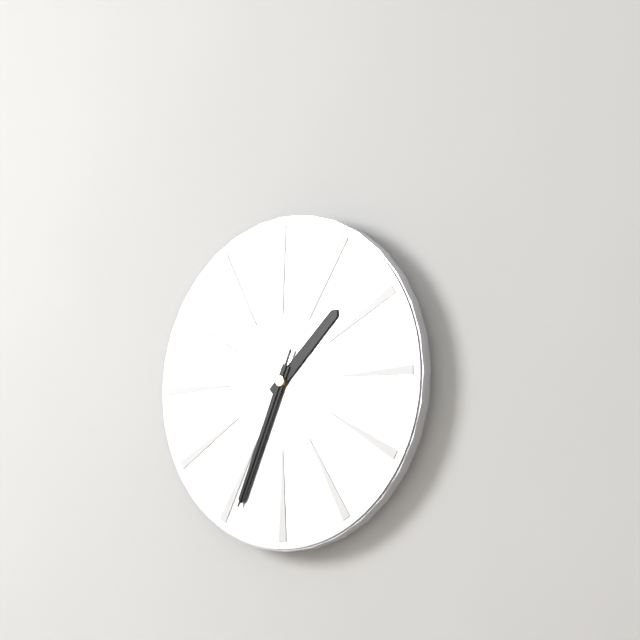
{"hour": 1, "minute": 34, "second": 34}
